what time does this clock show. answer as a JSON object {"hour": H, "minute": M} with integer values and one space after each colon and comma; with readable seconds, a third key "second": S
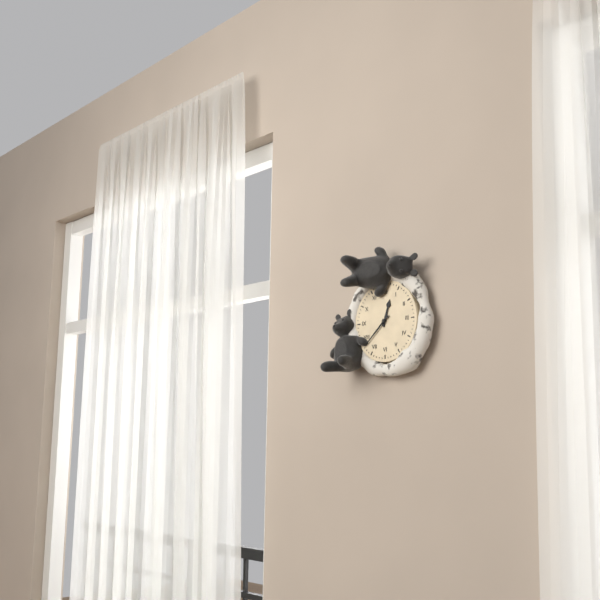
{"hour": 12, "minute": 38}
